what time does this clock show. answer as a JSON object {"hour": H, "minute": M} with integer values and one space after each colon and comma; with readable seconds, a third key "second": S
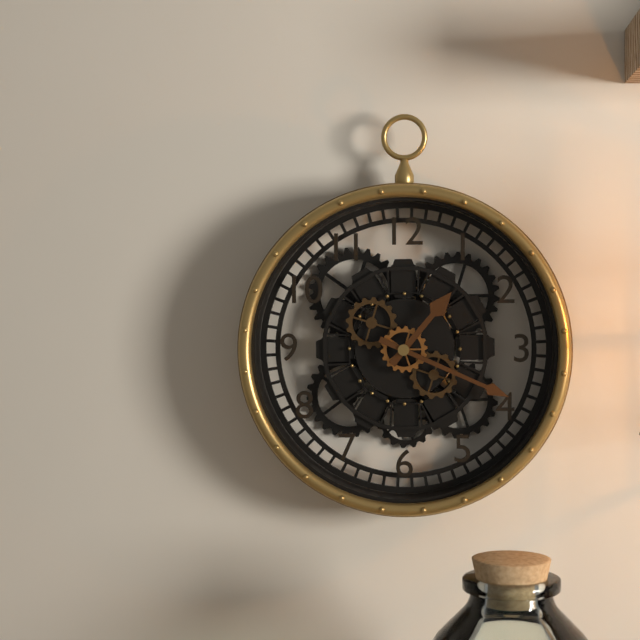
{"hour": 1, "minute": 19}
